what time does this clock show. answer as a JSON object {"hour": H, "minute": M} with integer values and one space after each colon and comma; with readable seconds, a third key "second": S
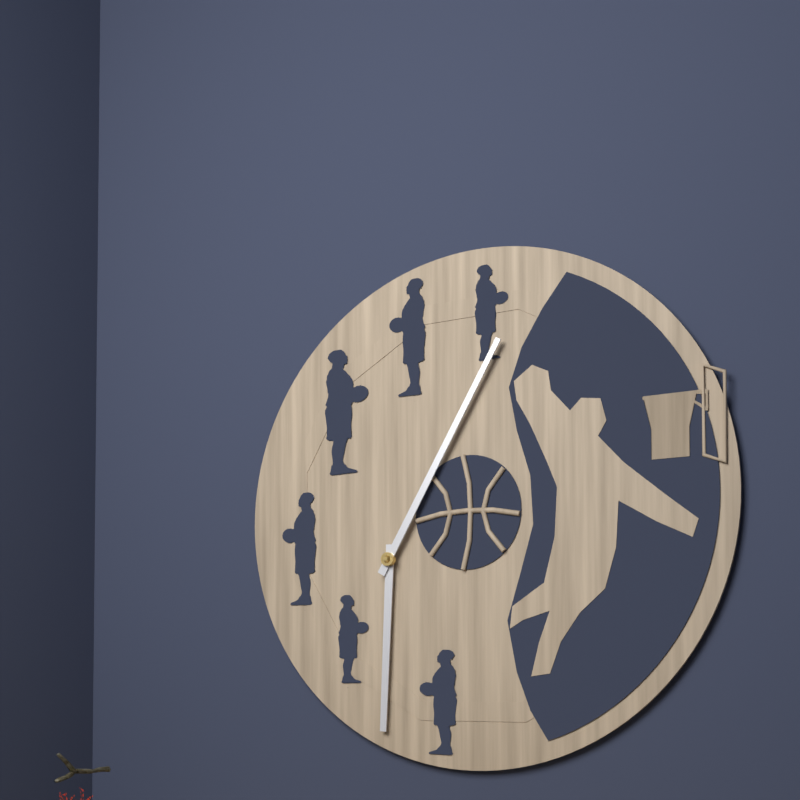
{"hour": 6, "minute": 5}
